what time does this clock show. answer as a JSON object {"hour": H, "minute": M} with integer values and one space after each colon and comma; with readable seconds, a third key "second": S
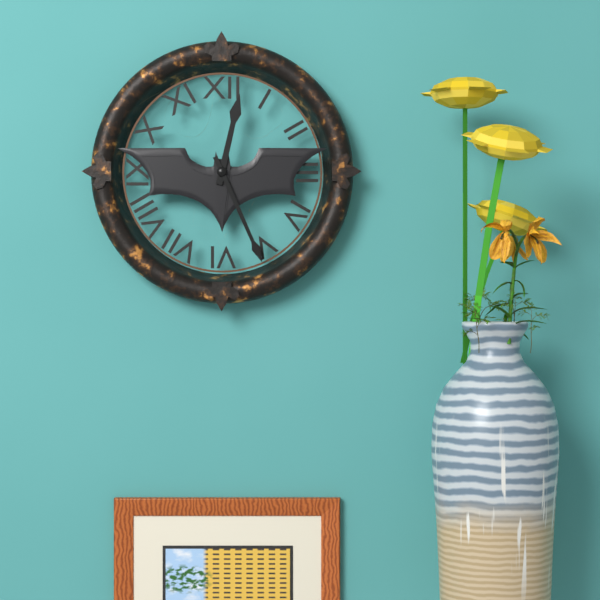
{"hour": 12, "minute": 26}
